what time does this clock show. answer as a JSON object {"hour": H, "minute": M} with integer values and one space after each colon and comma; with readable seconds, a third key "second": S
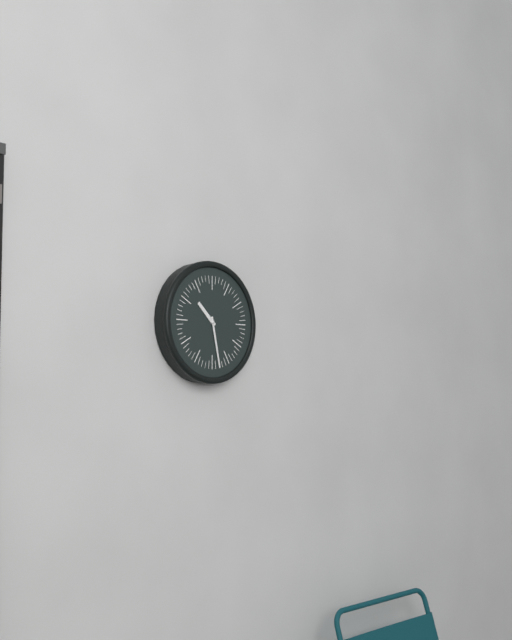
{"hour": 10, "minute": 28}
